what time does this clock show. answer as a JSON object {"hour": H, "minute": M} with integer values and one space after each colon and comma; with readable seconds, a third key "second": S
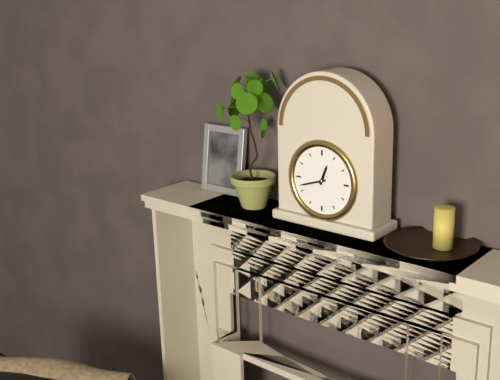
{"hour": 12, "minute": 42}
